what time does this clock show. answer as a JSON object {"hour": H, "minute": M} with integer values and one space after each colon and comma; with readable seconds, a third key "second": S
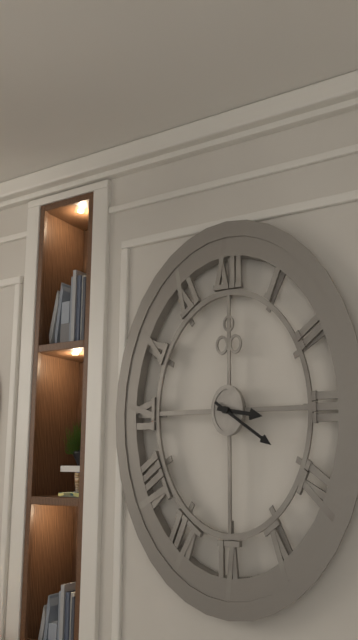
{"hour": 3, "minute": 21}
